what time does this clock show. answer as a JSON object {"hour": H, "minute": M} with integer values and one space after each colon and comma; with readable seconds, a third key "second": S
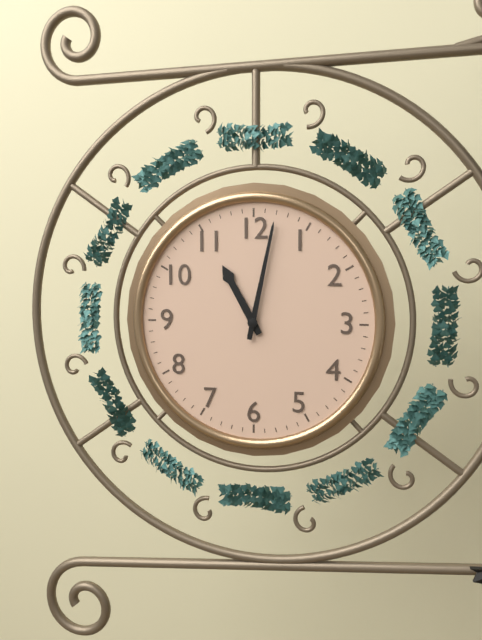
{"hour": 11, "minute": 2}
